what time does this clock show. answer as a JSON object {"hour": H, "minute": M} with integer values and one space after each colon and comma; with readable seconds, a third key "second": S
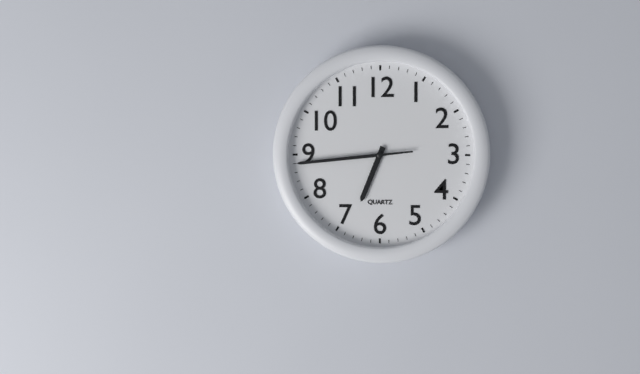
{"hour": 6, "minute": 44}
